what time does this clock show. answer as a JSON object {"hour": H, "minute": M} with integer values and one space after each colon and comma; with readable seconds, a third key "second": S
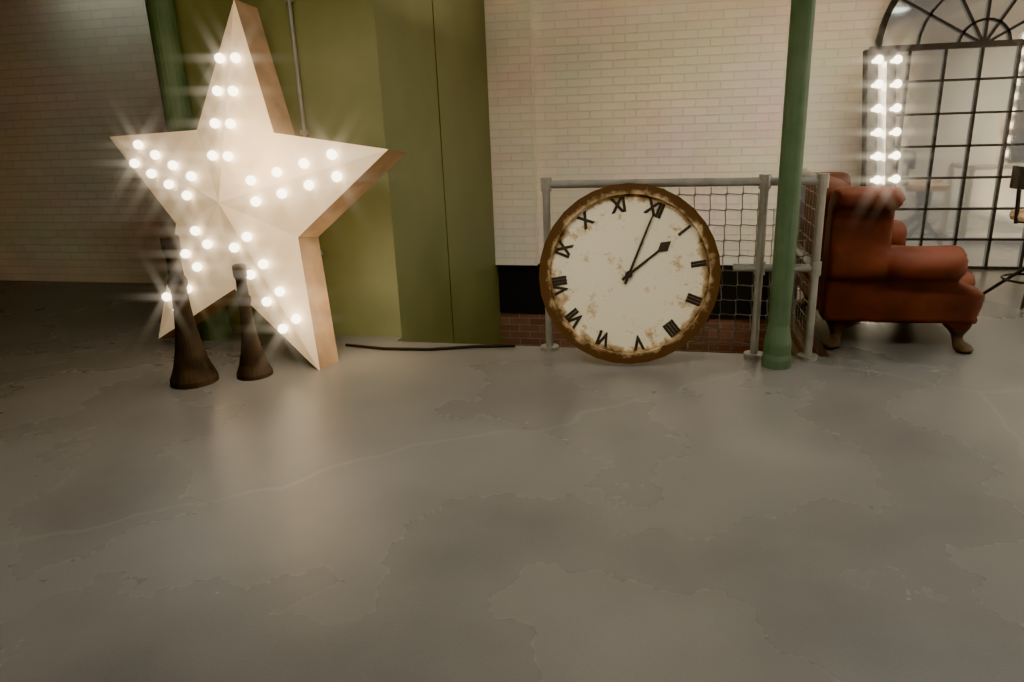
{"hour": 1, "minute": 0}
